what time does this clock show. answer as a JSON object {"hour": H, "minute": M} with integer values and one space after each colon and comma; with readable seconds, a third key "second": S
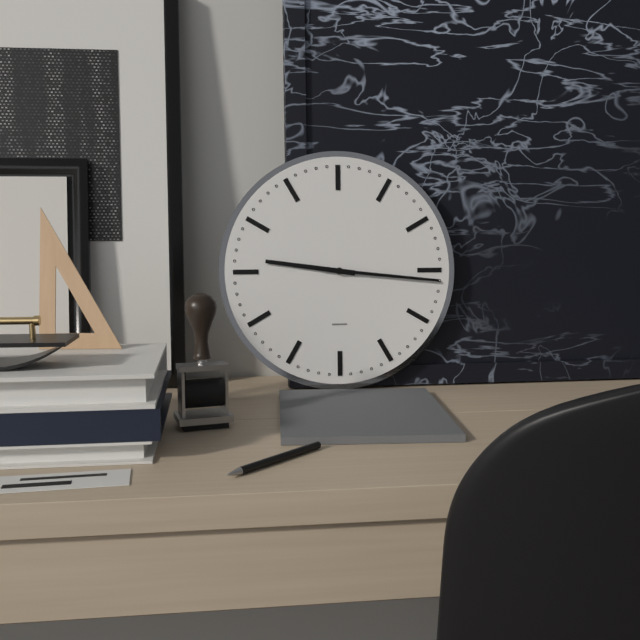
{"hour": 9, "minute": 16}
